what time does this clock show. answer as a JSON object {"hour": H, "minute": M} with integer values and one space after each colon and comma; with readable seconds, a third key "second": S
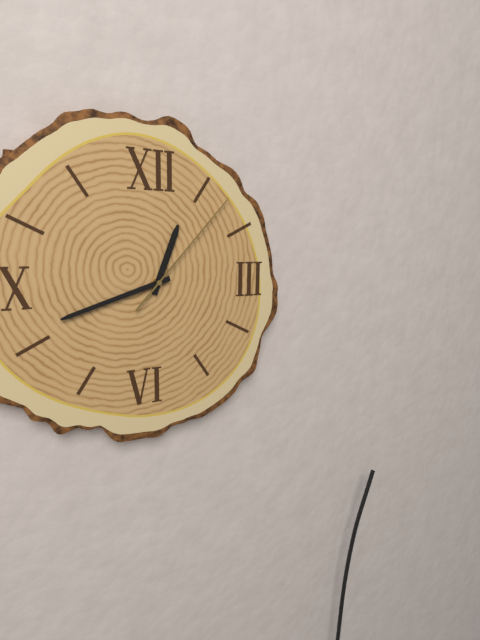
{"hour": 12, "minute": 42, "second": 7}
